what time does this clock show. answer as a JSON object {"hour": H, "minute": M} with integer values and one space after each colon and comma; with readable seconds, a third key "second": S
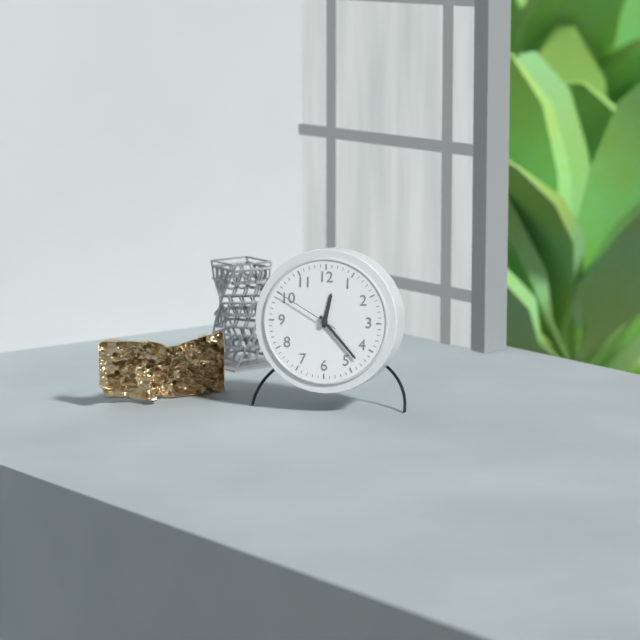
{"hour": 12, "minute": 23, "second": 50}
